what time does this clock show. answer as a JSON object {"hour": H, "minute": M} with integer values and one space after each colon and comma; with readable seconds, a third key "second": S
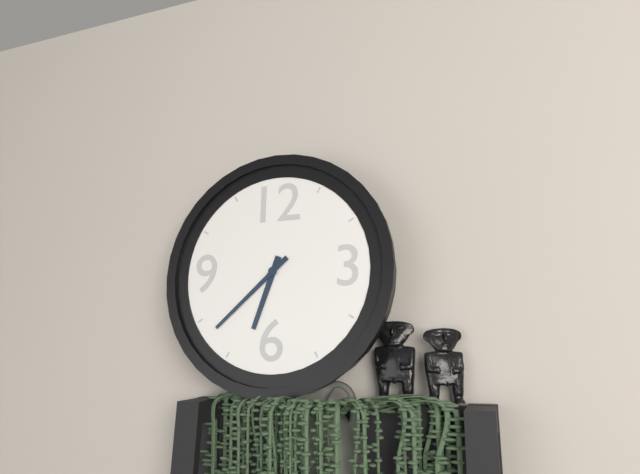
{"hour": 6, "minute": 38}
